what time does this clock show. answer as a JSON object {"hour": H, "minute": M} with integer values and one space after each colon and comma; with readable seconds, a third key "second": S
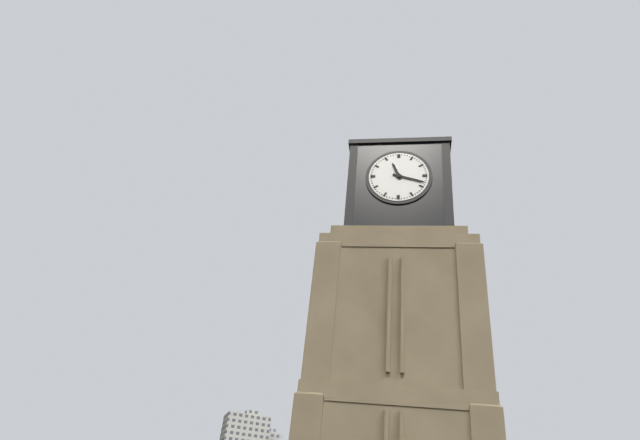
{"hour": 11, "minute": 18}
